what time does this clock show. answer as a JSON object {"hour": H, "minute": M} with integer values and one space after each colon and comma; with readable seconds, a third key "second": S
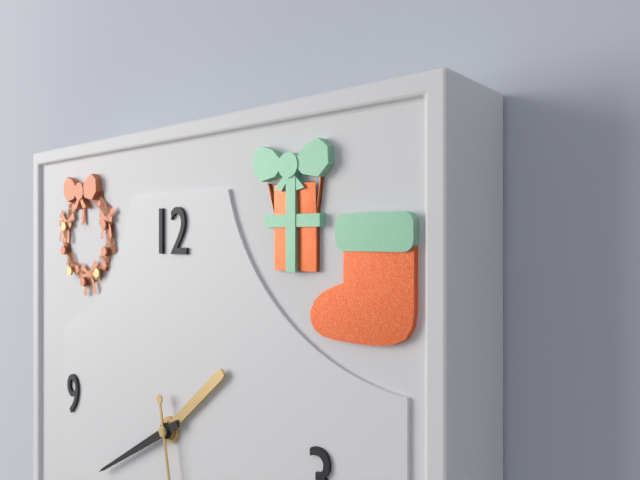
{"hour": 1, "minute": 40}
